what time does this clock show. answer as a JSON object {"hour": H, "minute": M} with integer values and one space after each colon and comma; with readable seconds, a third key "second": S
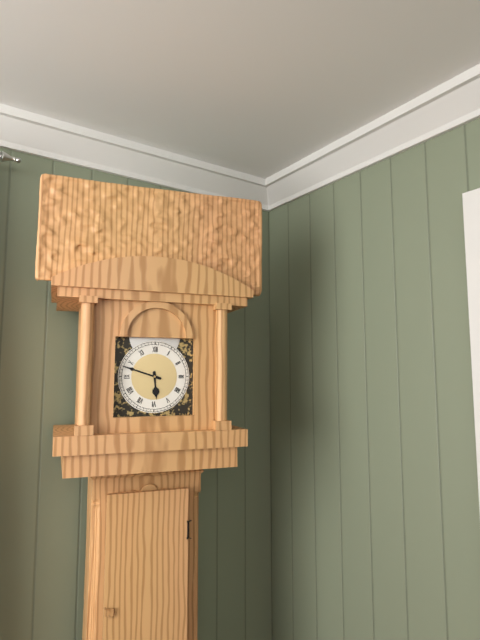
{"hour": 5, "minute": 48}
